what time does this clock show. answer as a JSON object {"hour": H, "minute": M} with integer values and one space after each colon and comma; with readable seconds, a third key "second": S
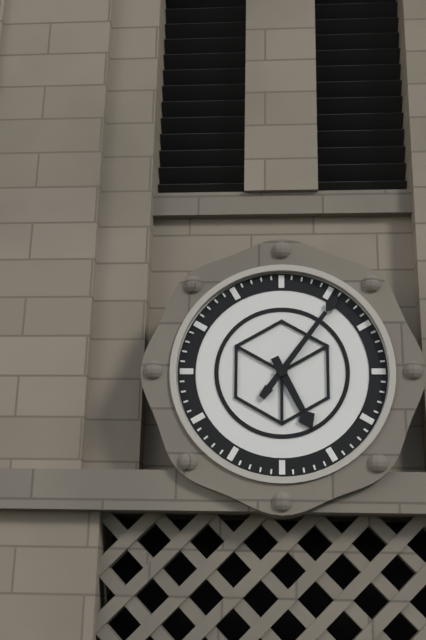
{"hour": 5, "minute": 6}
